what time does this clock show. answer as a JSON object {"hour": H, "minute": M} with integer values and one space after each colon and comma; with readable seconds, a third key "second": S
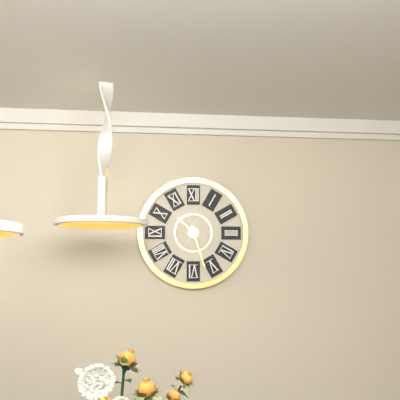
{"hour": 10, "minute": 27}
